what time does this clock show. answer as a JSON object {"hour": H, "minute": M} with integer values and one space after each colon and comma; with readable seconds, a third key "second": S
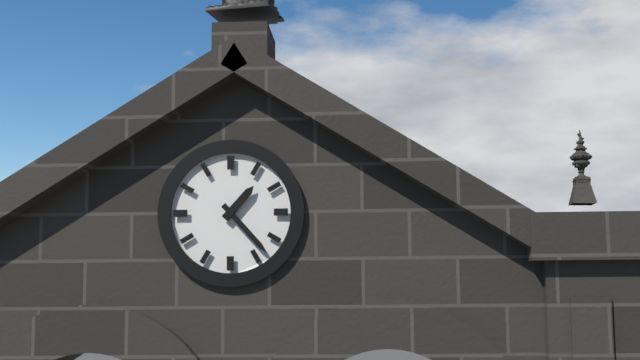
{"hour": 1, "minute": 23}
